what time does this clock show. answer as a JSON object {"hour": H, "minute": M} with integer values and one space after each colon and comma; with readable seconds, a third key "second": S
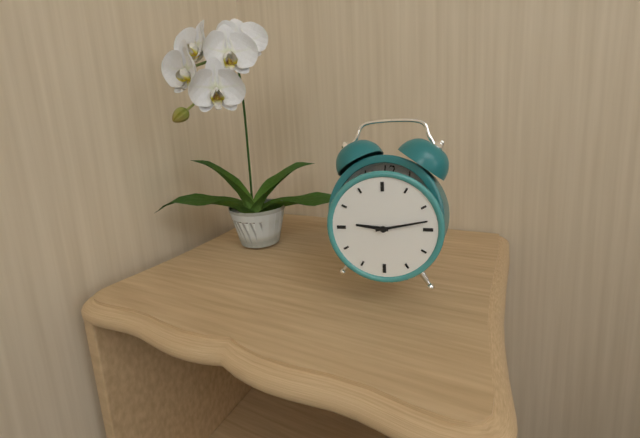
{"hour": 9, "minute": 13}
